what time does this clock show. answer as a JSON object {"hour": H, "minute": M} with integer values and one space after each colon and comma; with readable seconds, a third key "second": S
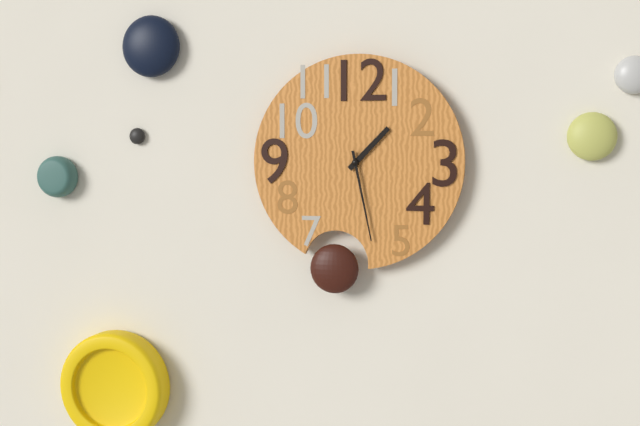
{"hour": 1, "minute": 28}
